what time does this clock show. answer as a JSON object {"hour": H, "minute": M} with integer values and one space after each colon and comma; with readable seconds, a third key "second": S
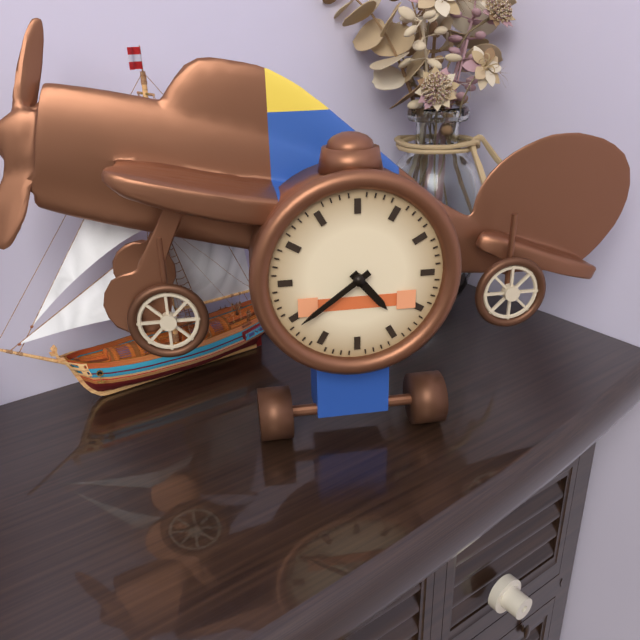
{"hour": 4, "minute": 39}
